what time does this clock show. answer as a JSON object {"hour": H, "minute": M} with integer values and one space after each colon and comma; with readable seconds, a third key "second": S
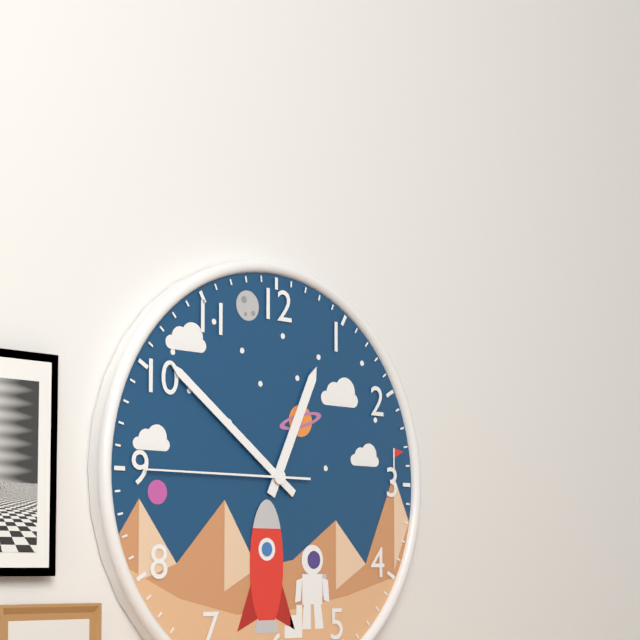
{"hour": 12, "minute": 51, "second": 45}
